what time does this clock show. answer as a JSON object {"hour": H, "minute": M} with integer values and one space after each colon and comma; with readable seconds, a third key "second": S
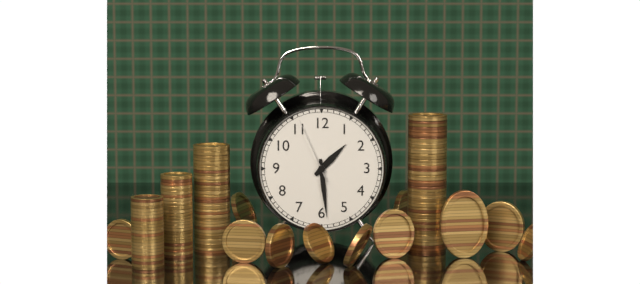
{"hour": 1, "minute": 29, "second": 56}
